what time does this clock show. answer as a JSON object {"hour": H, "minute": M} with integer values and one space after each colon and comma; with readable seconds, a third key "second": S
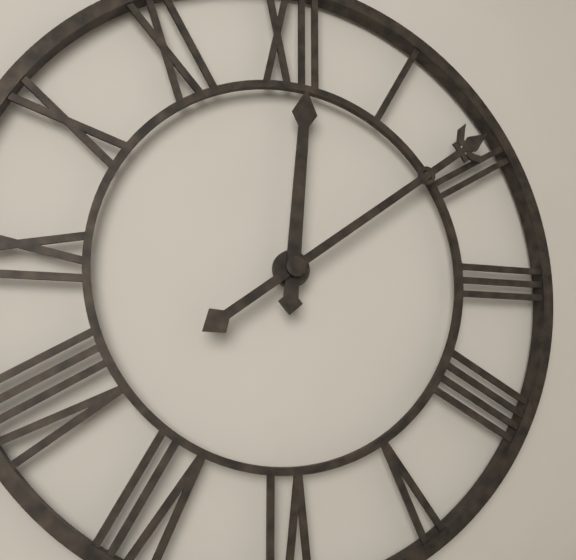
{"hour": 12, "minute": 9}
